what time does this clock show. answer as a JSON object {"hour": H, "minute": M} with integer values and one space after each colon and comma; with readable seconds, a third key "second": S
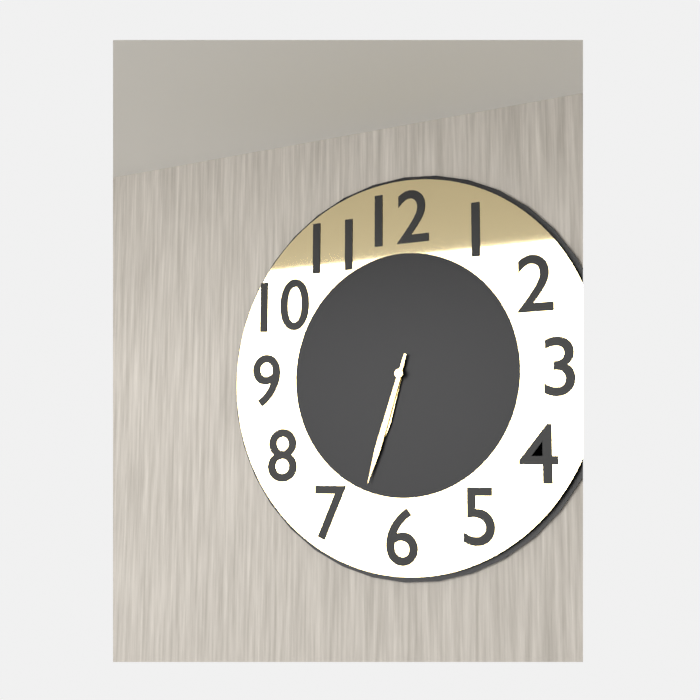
{"hour": 6, "minute": 33}
